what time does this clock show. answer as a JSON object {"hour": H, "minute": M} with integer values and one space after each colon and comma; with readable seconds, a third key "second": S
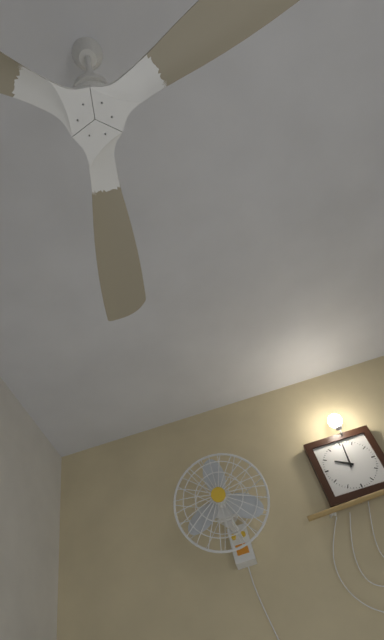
{"hour": 10, "minute": 1}
